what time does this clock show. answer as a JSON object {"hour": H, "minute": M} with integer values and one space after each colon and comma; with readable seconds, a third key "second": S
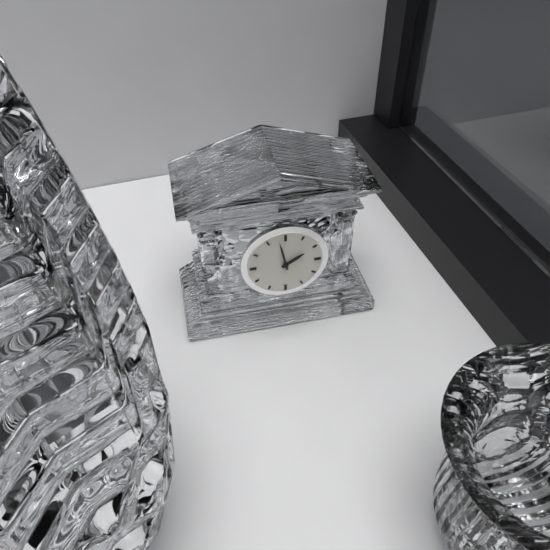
{"hour": 1, "minute": 58}
